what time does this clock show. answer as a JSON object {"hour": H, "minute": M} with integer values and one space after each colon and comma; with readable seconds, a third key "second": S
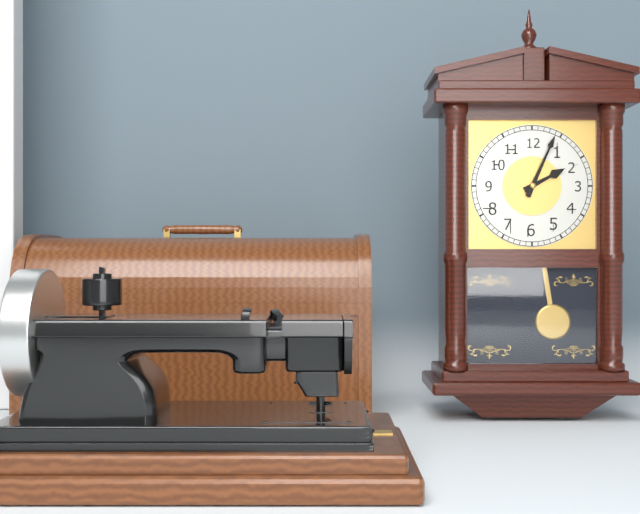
{"hour": 2, "minute": 4}
